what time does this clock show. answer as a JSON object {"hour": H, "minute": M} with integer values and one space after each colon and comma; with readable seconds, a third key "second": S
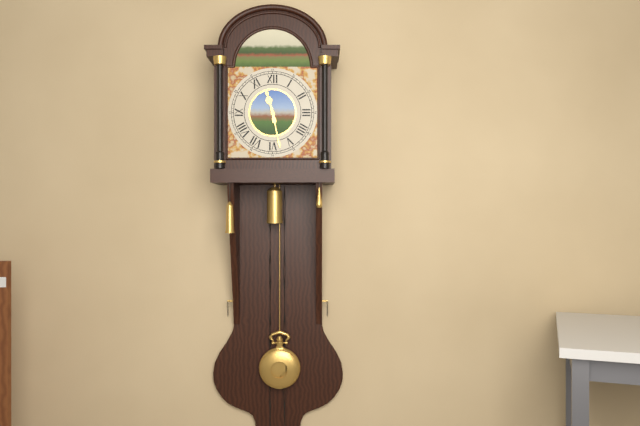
{"hour": 11, "minute": 28}
